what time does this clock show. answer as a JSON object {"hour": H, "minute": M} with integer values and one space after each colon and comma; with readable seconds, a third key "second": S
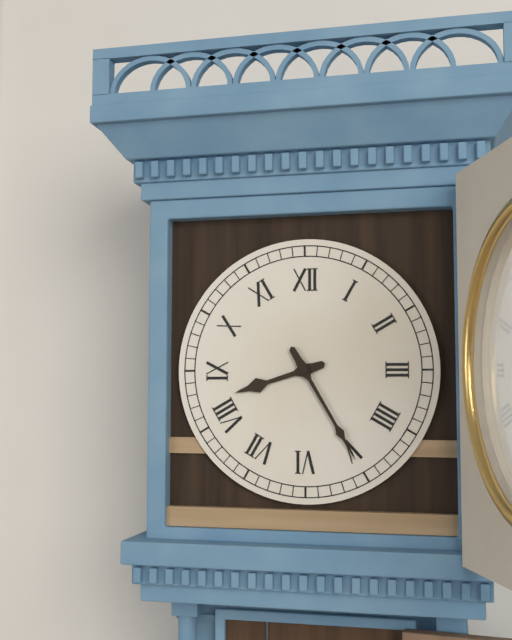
{"hour": 8, "minute": 25}
